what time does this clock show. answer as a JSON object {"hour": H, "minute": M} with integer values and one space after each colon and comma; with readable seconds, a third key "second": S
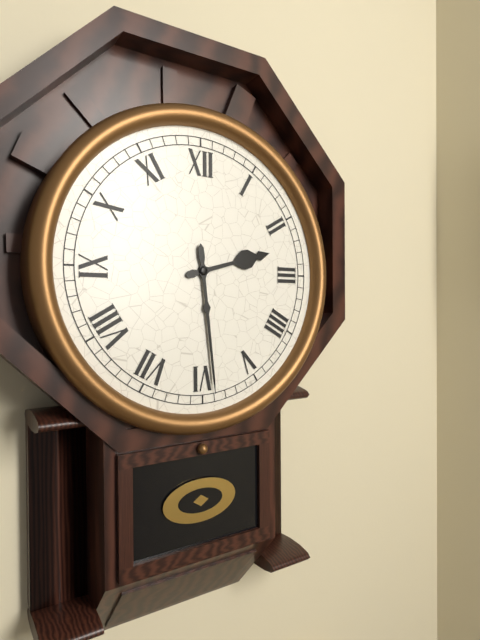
{"hour": 2, "minute": 29}
